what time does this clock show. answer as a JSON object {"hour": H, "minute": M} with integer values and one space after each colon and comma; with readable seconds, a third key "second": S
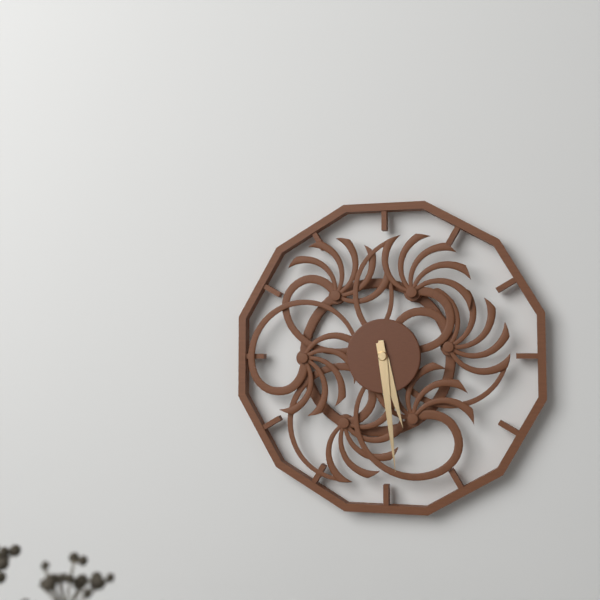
{"hour": 5, "minute": 29}
